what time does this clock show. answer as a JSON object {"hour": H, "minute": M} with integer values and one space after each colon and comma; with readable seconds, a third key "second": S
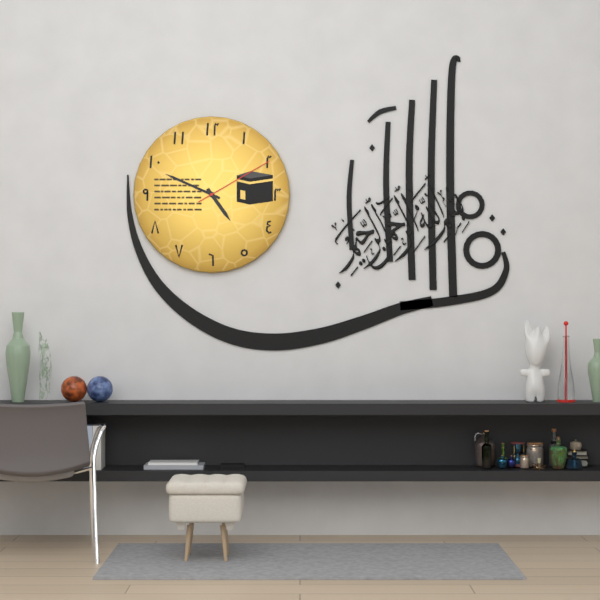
{"hour": 4, "minute": 49, "second": 10}
